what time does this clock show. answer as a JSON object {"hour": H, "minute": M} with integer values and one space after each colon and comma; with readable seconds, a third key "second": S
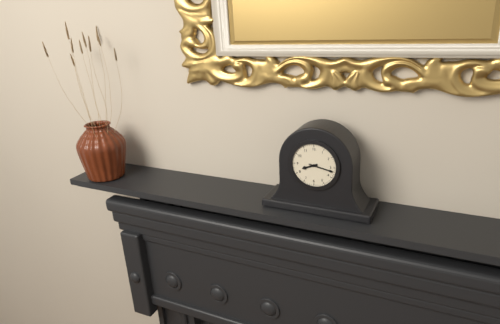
{"hour": 8, "minute": 17}
